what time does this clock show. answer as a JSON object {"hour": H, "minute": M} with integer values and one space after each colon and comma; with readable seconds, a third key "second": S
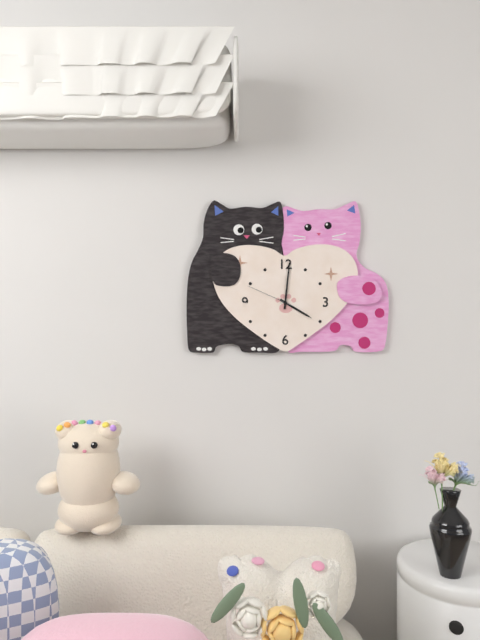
{"hour": 4, "minute": 1, "second": 49}
